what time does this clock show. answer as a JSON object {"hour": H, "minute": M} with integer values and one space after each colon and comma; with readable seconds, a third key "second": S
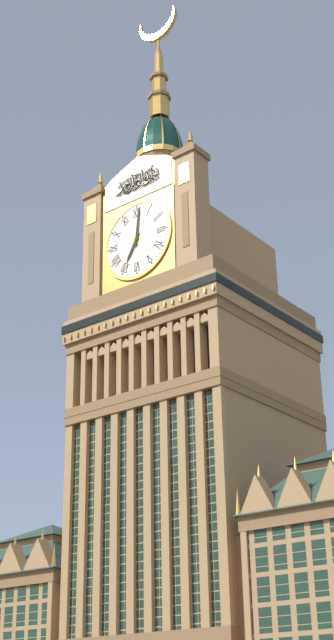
{"hour": 7, "minute": 1}
